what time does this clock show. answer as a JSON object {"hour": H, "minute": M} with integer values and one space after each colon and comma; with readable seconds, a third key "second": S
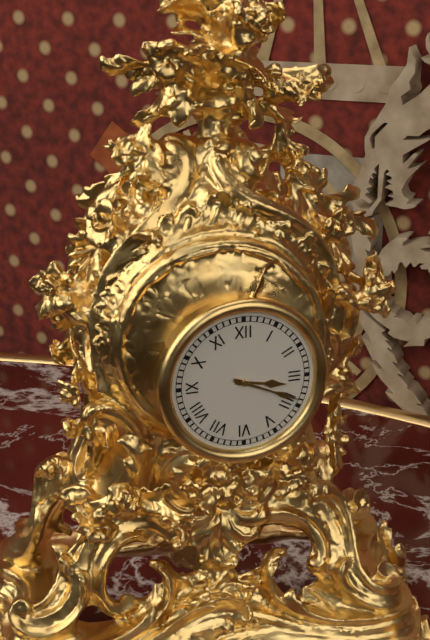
{"hour": 3, "minute": 19}
